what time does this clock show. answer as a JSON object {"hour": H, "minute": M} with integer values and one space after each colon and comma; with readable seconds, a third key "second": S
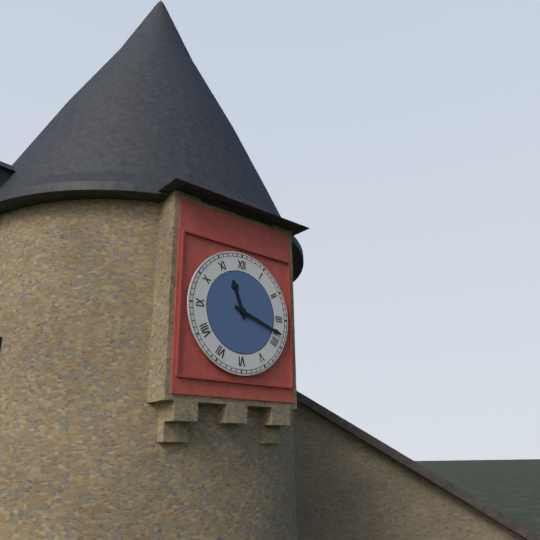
{"hour": 11, "minute": 18}
